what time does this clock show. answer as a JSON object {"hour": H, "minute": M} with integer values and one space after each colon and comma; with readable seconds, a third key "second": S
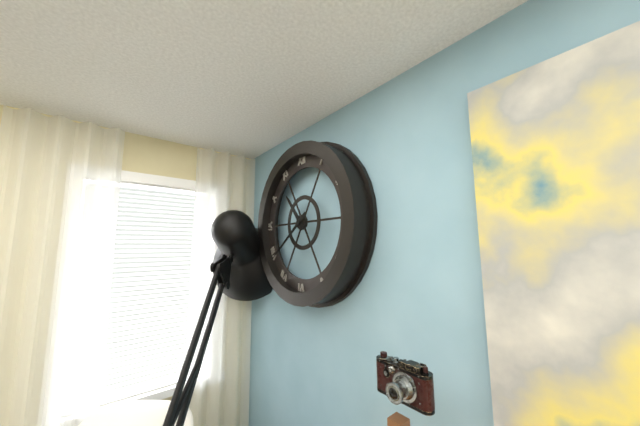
{"hour": 10, "minute": 39}
